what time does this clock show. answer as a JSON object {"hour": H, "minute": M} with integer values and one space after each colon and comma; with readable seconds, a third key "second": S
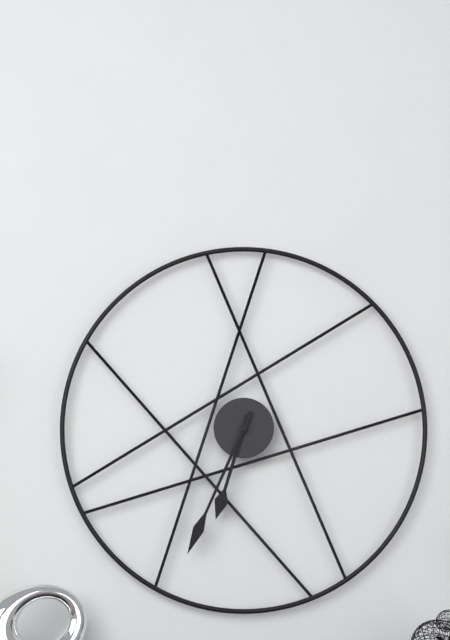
{"hour": 6, "minute": 34}
